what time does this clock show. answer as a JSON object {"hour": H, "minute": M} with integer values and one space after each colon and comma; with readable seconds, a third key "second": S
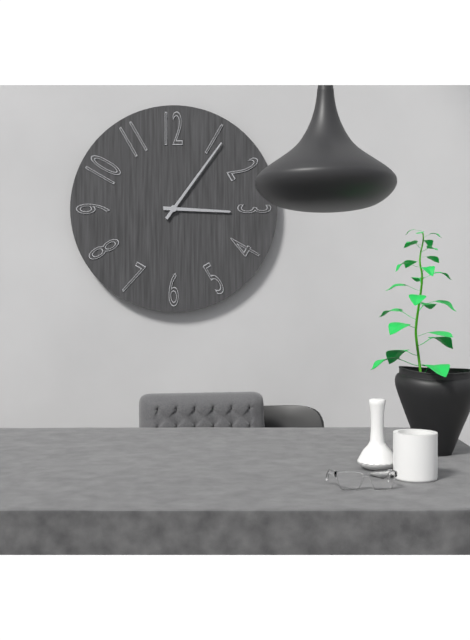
{"hour": 3, "minute": 6}
